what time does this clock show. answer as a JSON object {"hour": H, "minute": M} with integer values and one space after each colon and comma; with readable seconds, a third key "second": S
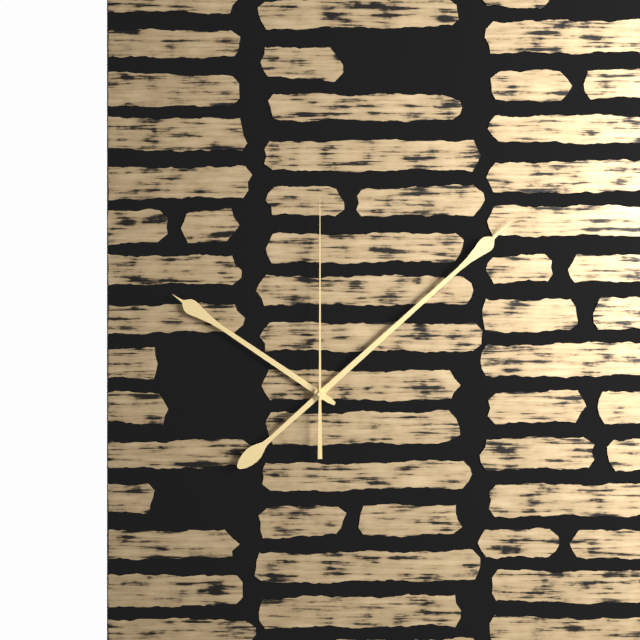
{"hour": 10, "minute": 8, "second": 0}
